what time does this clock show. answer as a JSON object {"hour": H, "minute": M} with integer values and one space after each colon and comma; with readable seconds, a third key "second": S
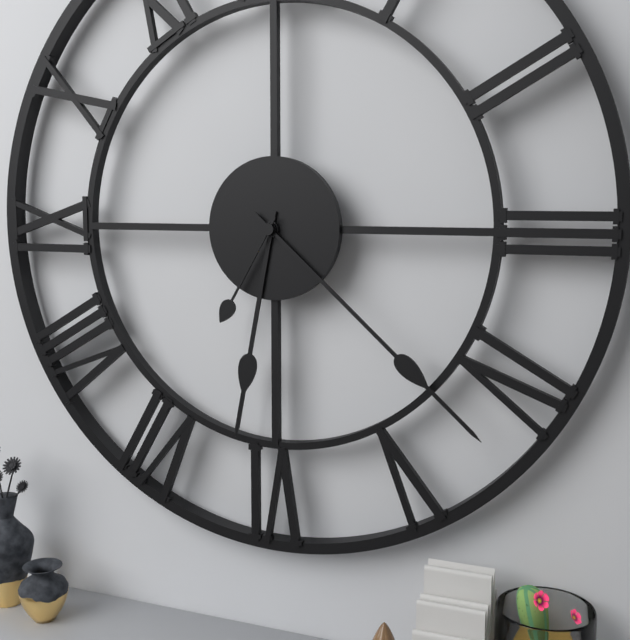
{"hour": 6, "minute": 22, "second": 35}
